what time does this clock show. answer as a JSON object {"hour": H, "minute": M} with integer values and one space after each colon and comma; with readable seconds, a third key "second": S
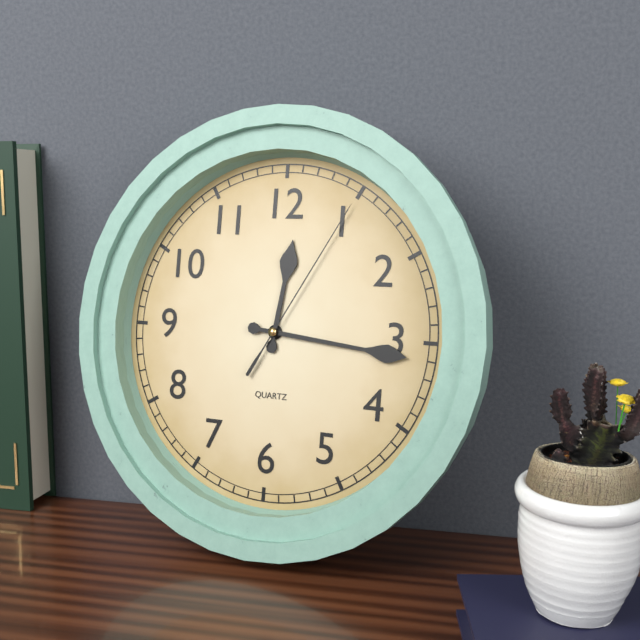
{"hour": 12, "minute": 16, "second": 5}
